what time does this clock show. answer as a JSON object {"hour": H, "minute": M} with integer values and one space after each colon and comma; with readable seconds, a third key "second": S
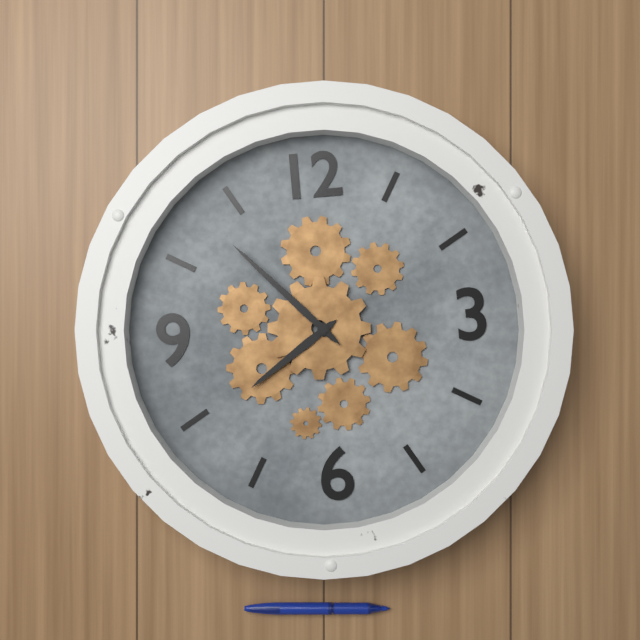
{"hour": 7, "minute": 53}
